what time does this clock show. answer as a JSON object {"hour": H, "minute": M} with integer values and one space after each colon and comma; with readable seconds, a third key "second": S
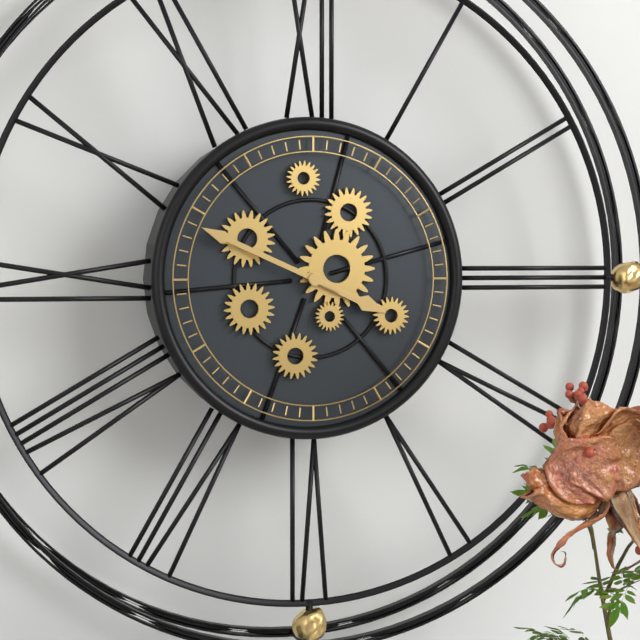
{"hour": 3, "minute": 49}
